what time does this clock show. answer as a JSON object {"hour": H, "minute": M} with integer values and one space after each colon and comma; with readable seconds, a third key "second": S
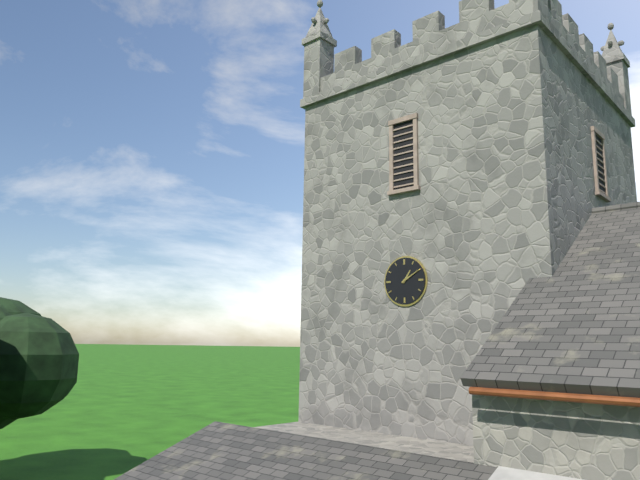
{"hour": 1, "minute": 10}
